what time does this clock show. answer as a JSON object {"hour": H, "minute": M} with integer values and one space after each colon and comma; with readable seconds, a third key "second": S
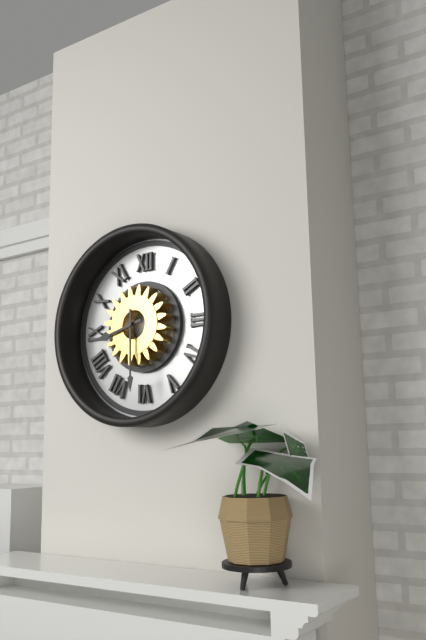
{"hour": 8, "minute": 30}
